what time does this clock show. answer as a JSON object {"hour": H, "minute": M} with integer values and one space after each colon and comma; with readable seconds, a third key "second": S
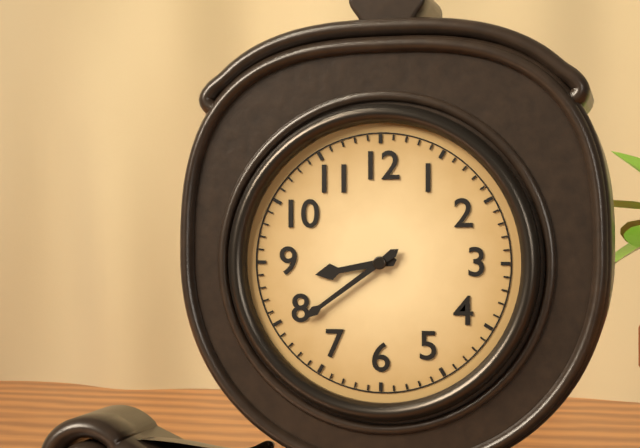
{"hour": 8, "minute": 39}
